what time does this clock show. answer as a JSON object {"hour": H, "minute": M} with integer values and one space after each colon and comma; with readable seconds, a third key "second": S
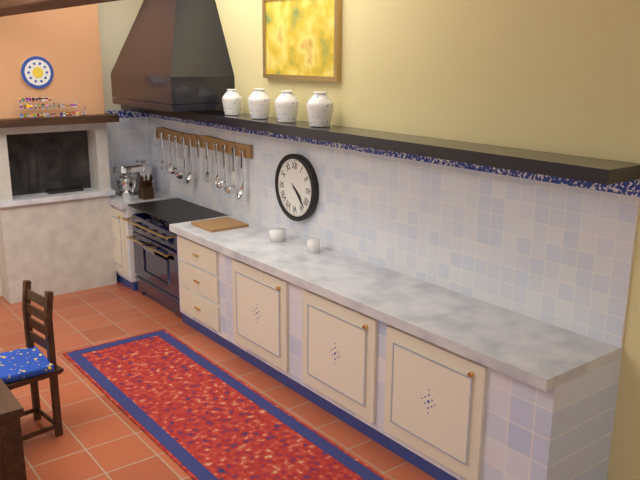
{"hour": 4, "minute": 23}
